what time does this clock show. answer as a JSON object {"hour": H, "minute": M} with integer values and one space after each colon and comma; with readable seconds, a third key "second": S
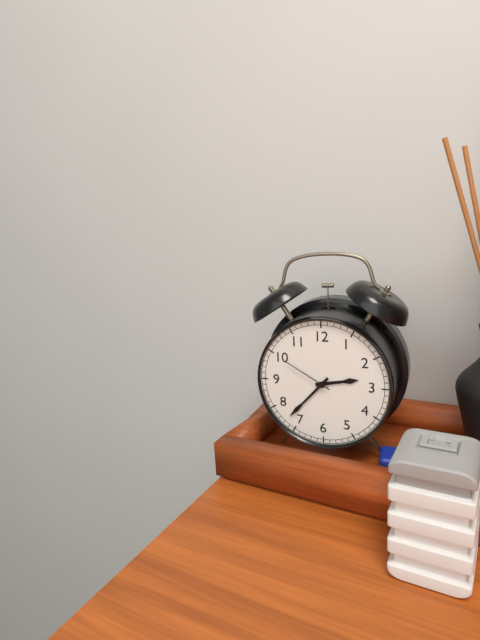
{"hour": 2, "minute": 37, "second": 50}
